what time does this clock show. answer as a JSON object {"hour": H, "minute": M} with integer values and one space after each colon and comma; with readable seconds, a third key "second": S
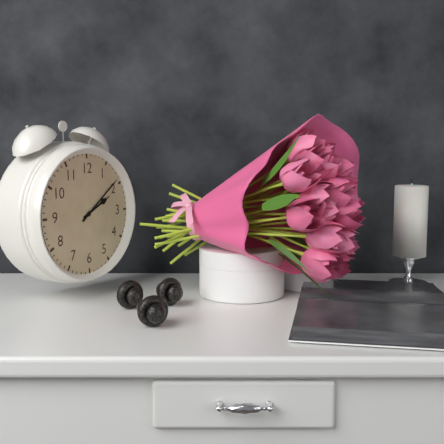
{"hour": 2, "minute": 9}
